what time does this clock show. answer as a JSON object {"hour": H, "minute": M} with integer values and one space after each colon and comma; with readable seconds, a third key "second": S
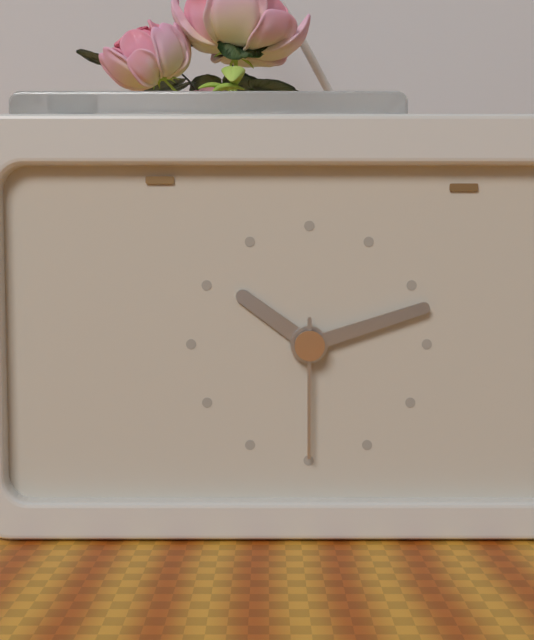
{"hour": 10, "minute": 12, "second": 30}
